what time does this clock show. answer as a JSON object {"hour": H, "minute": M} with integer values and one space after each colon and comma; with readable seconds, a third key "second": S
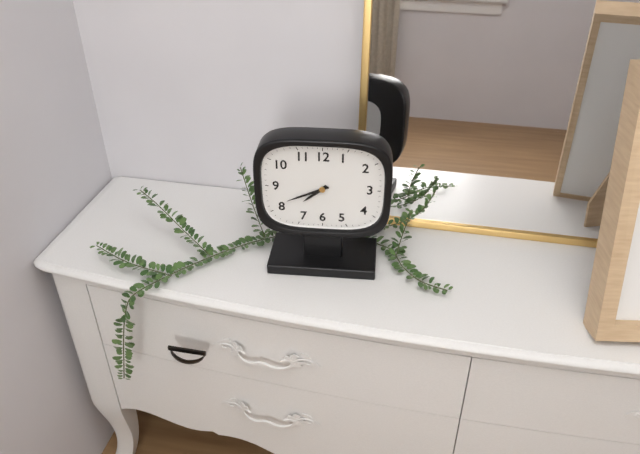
{"hour": 7, "minute": 41}
